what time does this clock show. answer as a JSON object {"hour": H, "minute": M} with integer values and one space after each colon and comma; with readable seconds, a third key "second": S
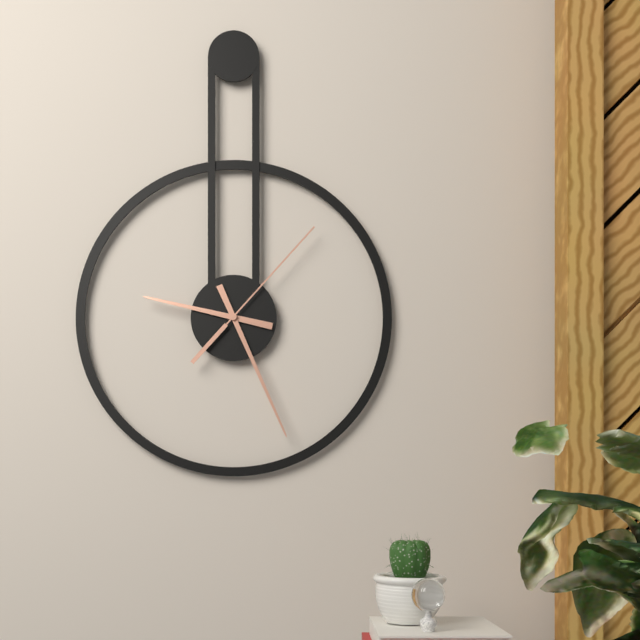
{"hour": 9, "minute": 26, "second": 7}
